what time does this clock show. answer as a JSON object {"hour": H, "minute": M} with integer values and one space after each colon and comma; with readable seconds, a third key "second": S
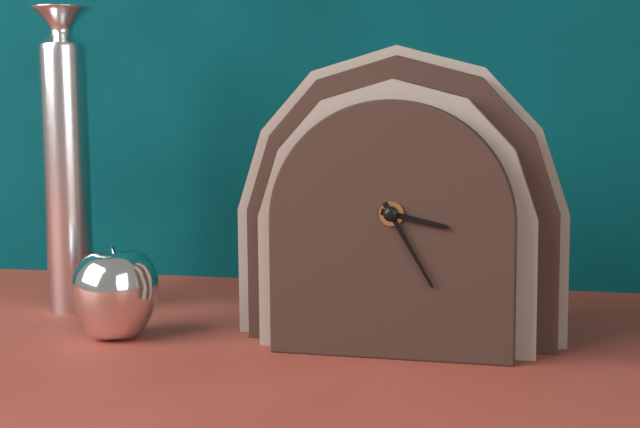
{"hour": 3, "minute": 25}
